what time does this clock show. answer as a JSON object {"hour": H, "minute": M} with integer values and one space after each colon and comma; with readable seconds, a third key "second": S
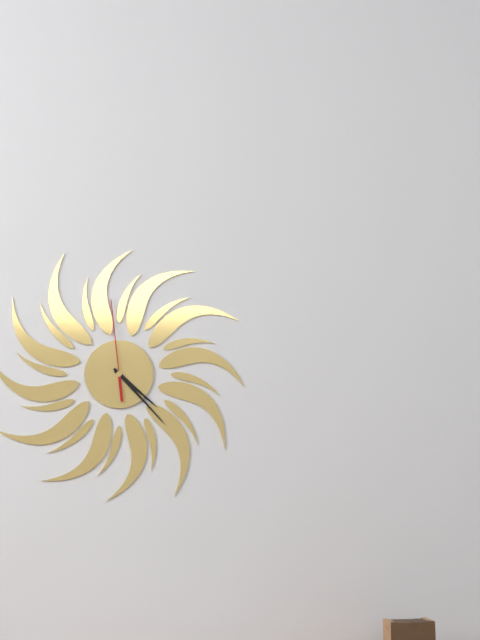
{"hour": 4, "minute": 23, "second": 59}
